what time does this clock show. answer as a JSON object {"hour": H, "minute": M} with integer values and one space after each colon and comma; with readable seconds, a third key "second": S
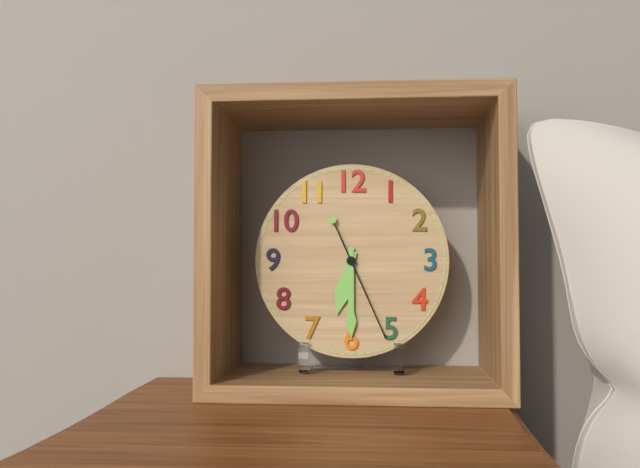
{"hour": 6, "minute": 30, "second": 26}
